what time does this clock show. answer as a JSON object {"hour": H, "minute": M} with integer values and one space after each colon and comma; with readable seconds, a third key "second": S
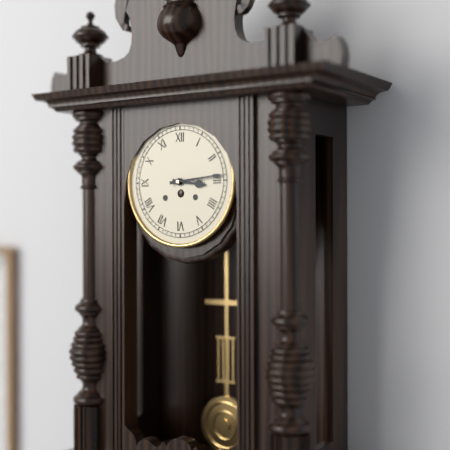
{"hour": 3, "minute": 14}
